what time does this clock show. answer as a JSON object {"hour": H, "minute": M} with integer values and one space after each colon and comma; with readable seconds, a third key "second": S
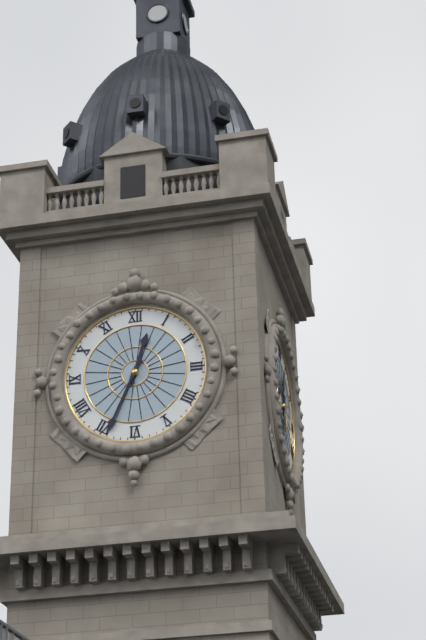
{"hour": 12, "minute": 34}
